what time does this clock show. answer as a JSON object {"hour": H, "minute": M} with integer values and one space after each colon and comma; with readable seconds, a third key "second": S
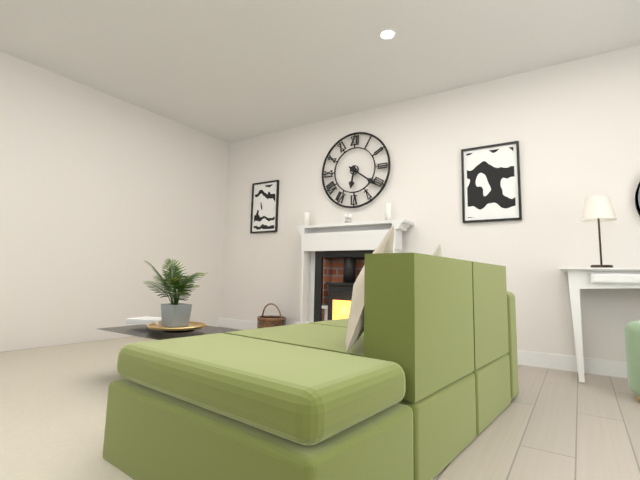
{"hour": 6, "minute": 21}
